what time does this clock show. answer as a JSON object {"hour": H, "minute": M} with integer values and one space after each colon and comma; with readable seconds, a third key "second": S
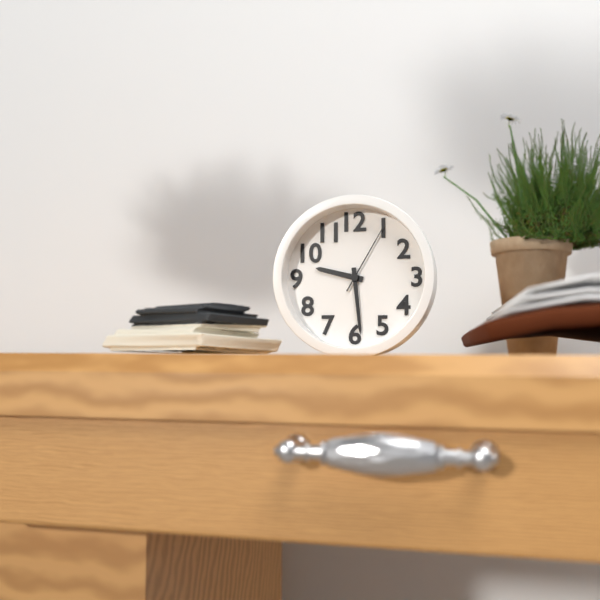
{"hour": 9, "minute": 29, "second": 5}
